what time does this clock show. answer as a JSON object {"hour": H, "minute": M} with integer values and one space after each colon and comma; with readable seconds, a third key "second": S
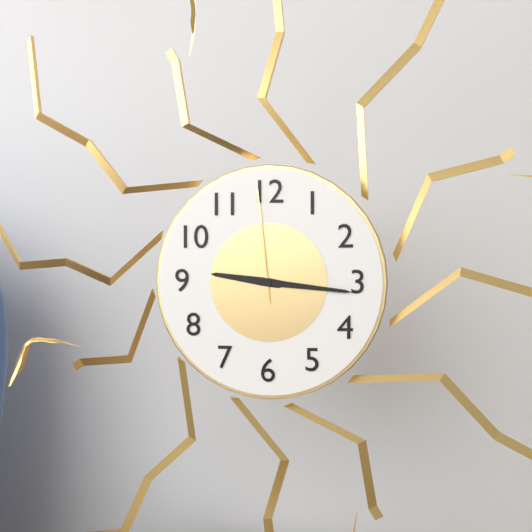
{"hour": 9, "minute": 16, "second": 59}
